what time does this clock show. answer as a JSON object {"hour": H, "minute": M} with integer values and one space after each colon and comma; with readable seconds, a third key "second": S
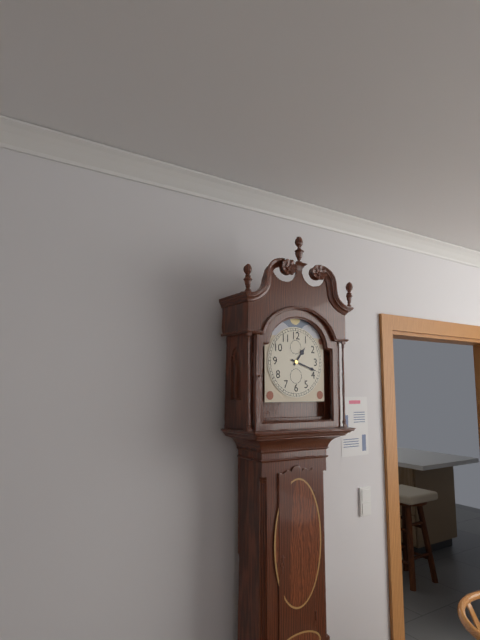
{"hour": 1, "minute": 18}
